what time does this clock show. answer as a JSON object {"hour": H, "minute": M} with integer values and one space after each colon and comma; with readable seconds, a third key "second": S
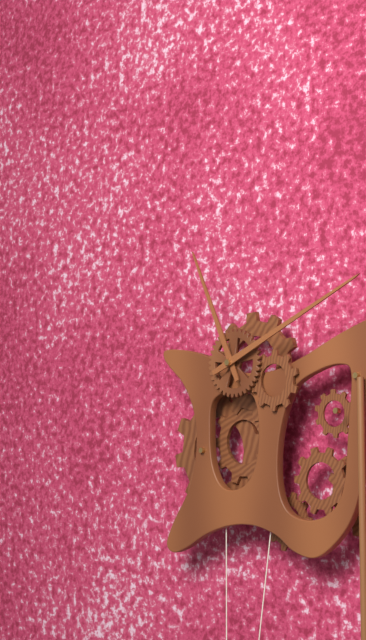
{"hour": 11, "minute": 11}
